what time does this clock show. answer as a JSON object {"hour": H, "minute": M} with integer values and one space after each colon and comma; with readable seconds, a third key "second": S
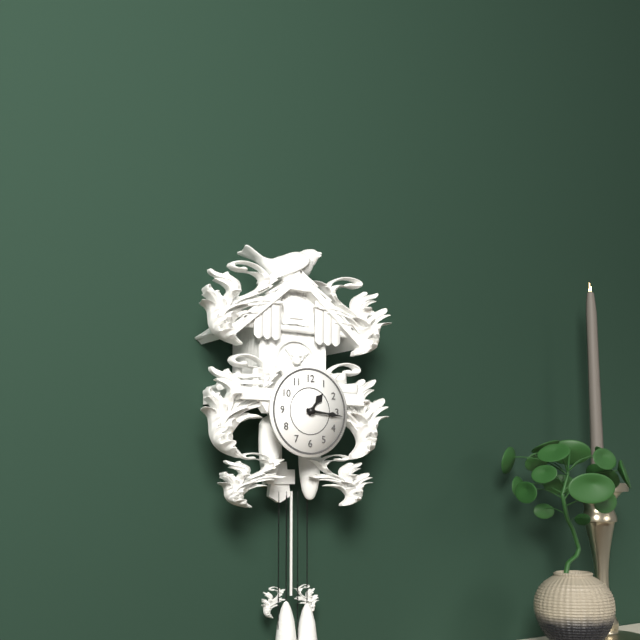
{"hour": 1, "minute": 16}
